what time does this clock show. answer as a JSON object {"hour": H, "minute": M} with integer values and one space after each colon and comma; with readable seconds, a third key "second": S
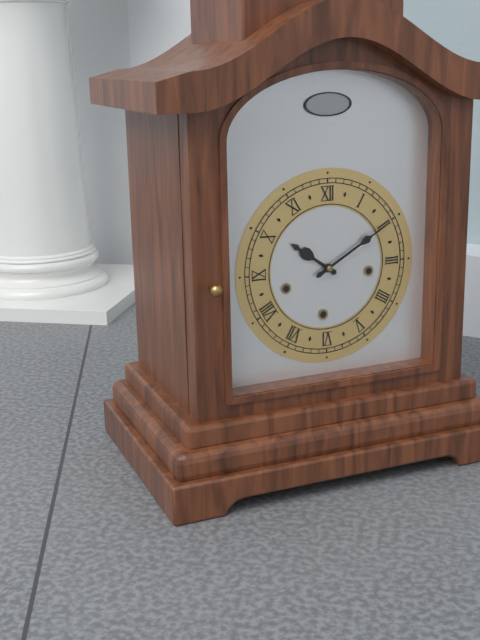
{"hour": 10, "minute": 10}
